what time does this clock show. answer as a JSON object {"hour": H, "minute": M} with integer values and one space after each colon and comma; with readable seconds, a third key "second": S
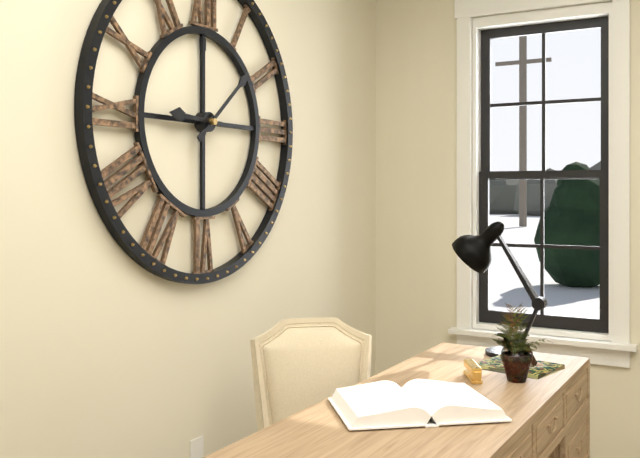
{"hour": 9, "minute": 8}
